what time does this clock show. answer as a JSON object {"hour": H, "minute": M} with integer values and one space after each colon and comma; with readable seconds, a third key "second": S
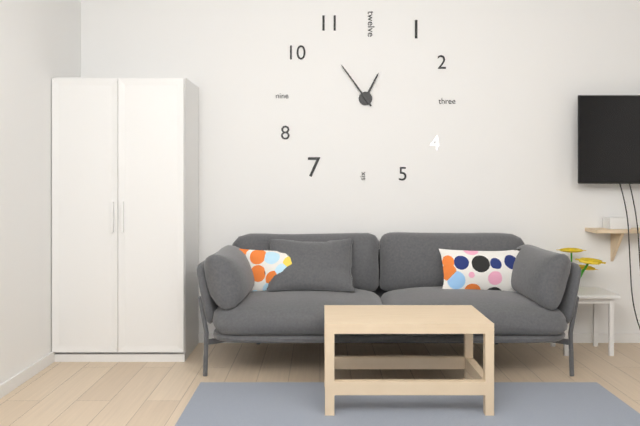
{"hour": 12, "minute": 54}
